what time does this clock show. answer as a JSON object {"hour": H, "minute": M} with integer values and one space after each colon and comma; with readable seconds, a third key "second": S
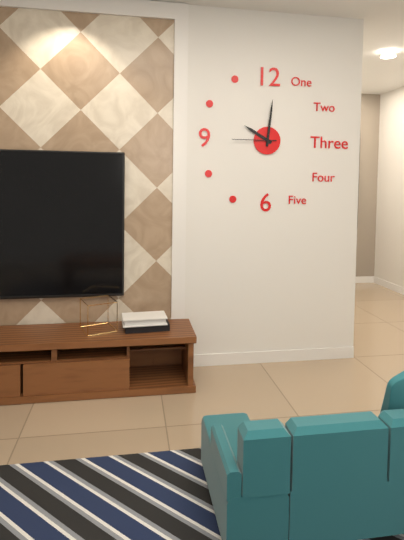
{"hour": 10, "minute": 1}
